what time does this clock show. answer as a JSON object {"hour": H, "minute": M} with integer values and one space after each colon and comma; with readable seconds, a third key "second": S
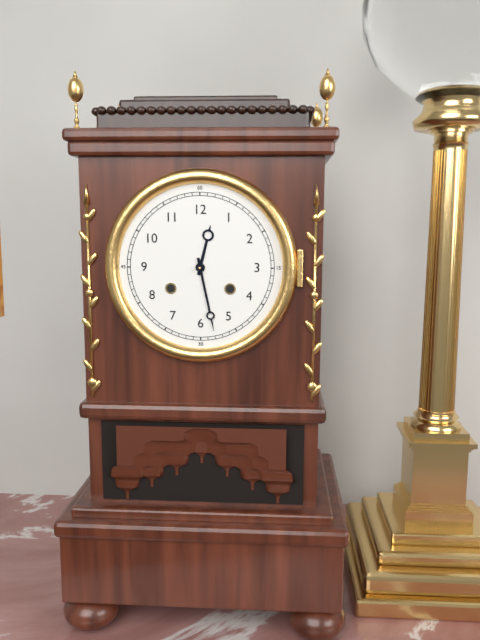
{"hour": 12, "minute": 28}
